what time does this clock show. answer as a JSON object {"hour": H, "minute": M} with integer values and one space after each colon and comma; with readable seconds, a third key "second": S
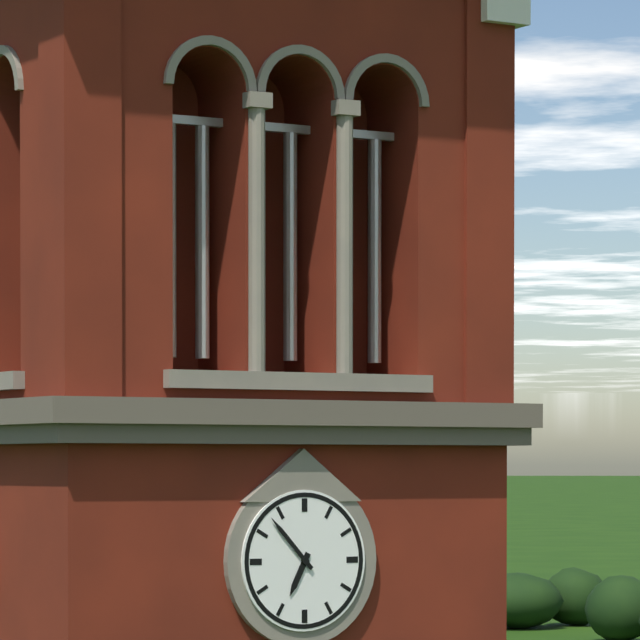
{"hour": 6, "minute": 53}
